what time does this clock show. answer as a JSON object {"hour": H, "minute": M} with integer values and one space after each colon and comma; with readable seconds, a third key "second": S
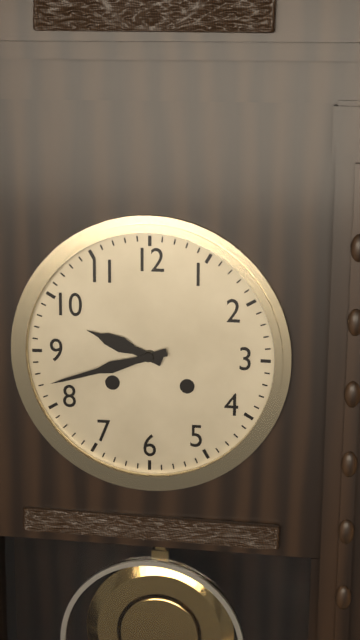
{"hour": 9, "minute": 42}
